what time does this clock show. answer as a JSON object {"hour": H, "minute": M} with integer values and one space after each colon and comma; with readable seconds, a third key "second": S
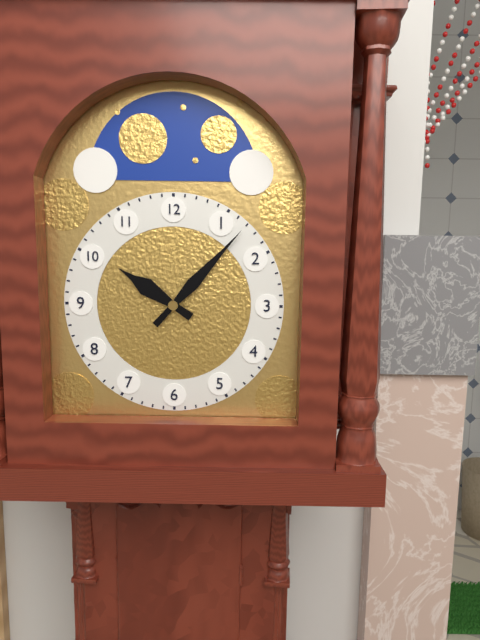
{"hour": 10, "minute": 7}
